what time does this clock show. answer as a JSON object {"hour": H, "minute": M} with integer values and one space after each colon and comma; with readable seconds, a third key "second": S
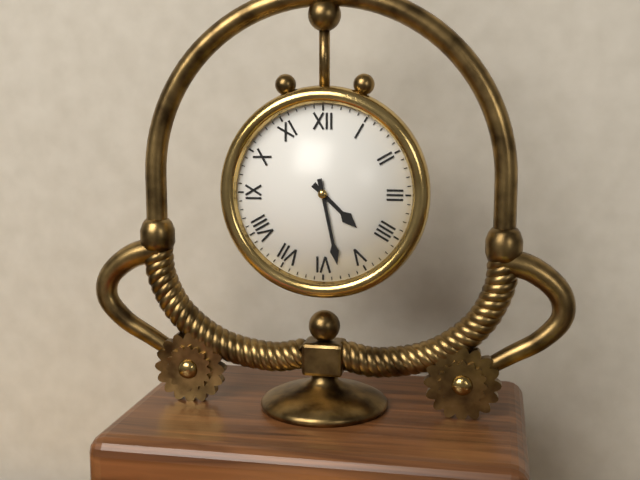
{"hour": 4, "minute": 28}
